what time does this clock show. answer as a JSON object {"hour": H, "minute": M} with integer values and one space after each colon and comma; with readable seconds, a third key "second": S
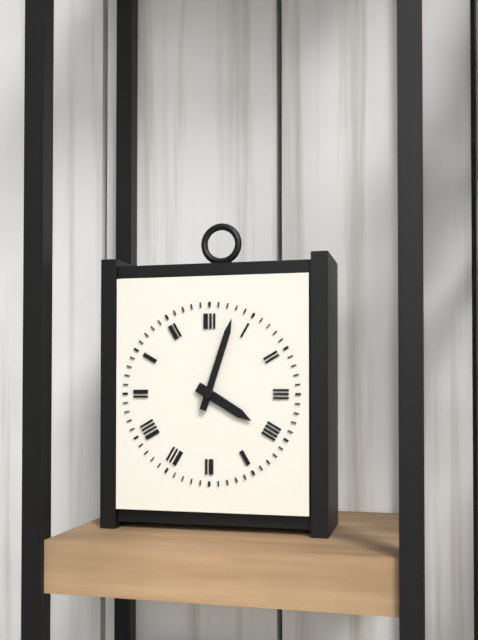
{"hour": 4, "minute": 3}
